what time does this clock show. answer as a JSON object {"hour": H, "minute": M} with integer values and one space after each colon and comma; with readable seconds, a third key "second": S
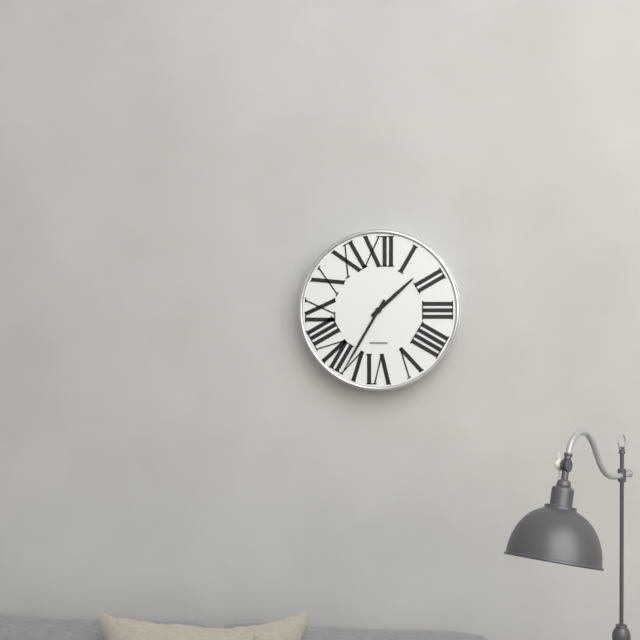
{"hour": 1, "minute": 35}
